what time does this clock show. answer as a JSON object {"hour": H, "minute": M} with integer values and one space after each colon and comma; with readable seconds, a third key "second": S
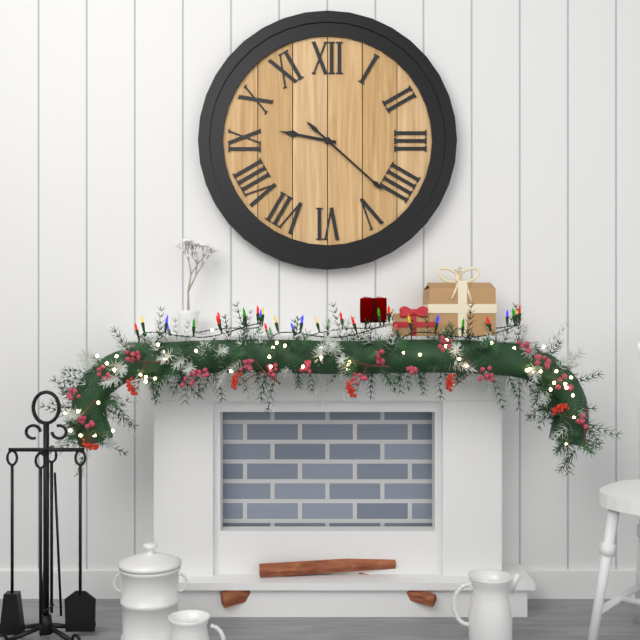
{"hour": 9, "minute": 22}
